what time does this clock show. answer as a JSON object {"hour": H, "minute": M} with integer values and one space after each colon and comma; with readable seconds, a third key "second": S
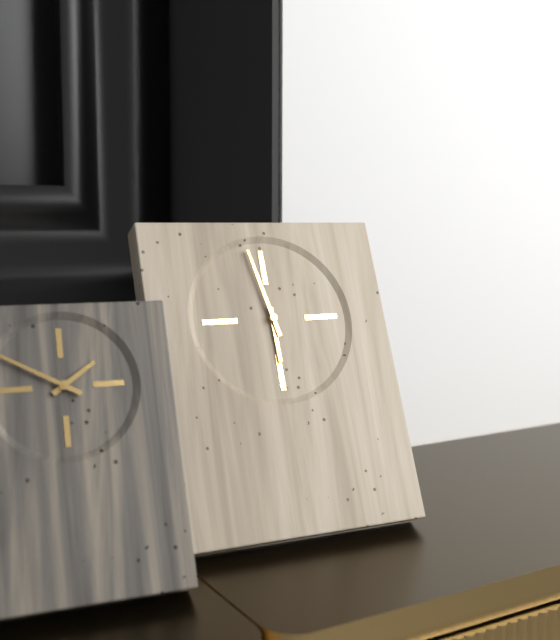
{"hour": 5, "minute": 58}
